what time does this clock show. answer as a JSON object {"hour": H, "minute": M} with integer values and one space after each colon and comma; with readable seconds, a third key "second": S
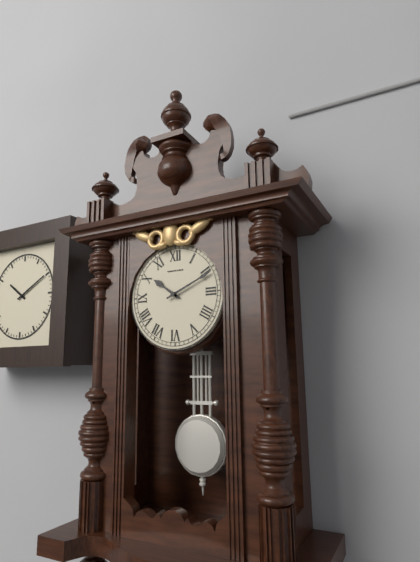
{"hour": 10, "minute": 11}
